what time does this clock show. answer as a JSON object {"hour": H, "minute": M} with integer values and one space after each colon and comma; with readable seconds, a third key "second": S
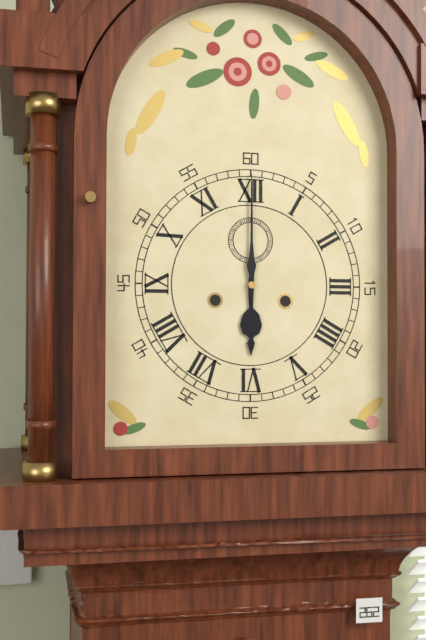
{"hour": 6, "minute": 0}
